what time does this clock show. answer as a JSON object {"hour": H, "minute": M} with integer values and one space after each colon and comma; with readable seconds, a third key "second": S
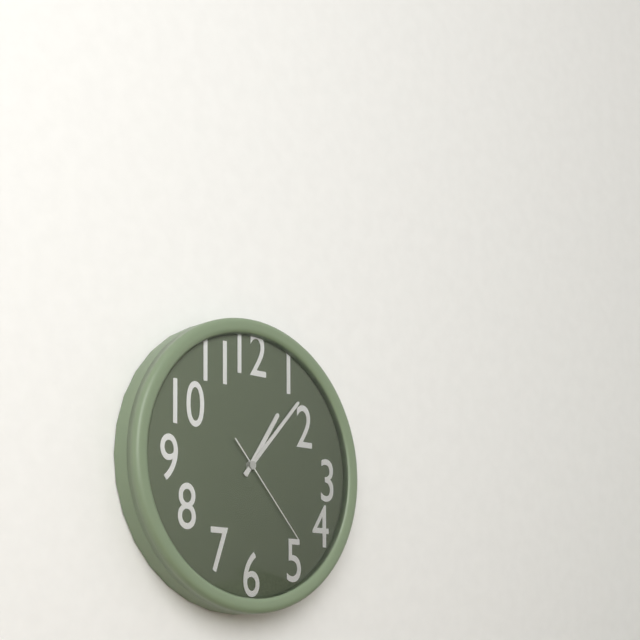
{"hour": 1, "minute": 7, "second": 23}
